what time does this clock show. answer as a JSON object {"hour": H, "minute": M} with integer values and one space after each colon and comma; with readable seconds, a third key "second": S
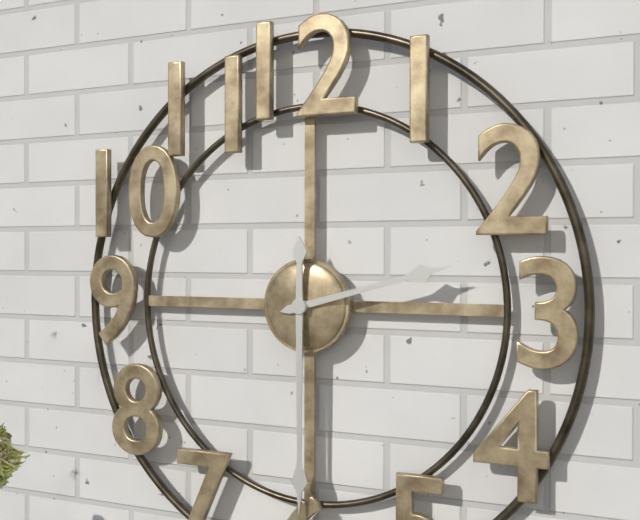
{"hour": 2, "minute": 30}
